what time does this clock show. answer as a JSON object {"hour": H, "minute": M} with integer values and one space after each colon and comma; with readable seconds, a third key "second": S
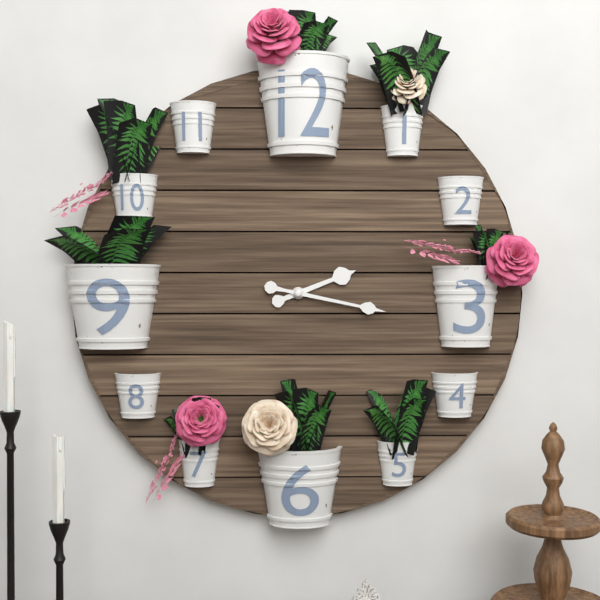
{"hour": 2, "minute": 17}
